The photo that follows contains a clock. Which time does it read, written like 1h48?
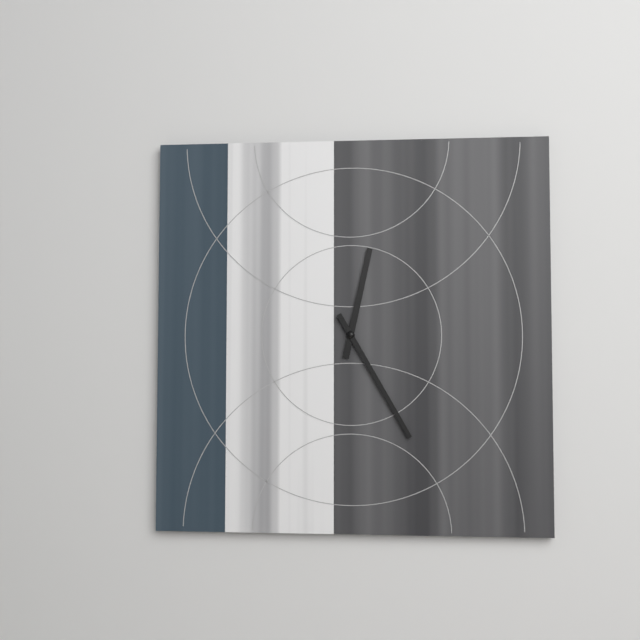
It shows 12h25
